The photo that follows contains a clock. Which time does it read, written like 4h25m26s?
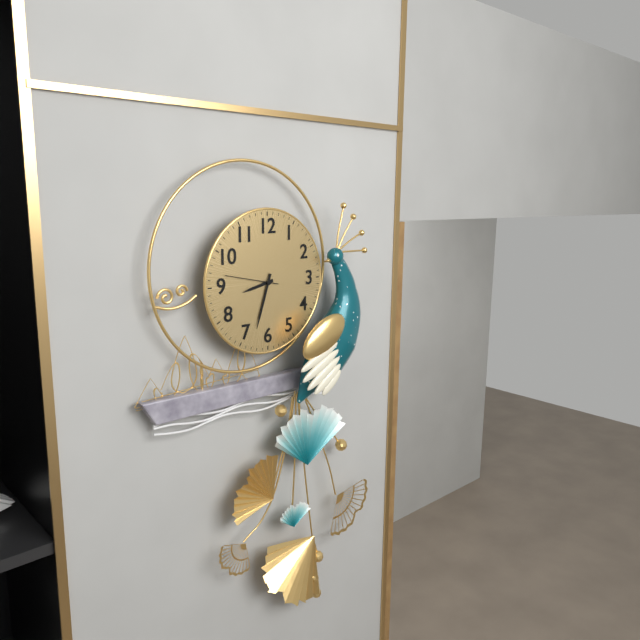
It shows 8h33m47s
